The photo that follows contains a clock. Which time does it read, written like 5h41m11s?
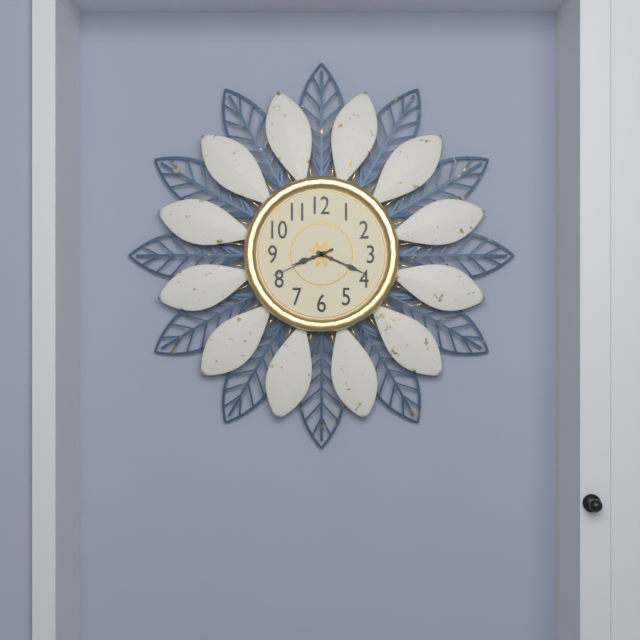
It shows 8h19m41s
